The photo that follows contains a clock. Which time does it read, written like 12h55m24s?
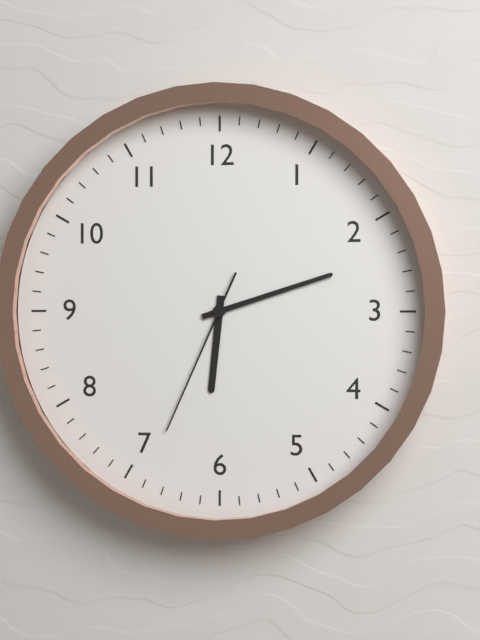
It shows 6h12m34s
